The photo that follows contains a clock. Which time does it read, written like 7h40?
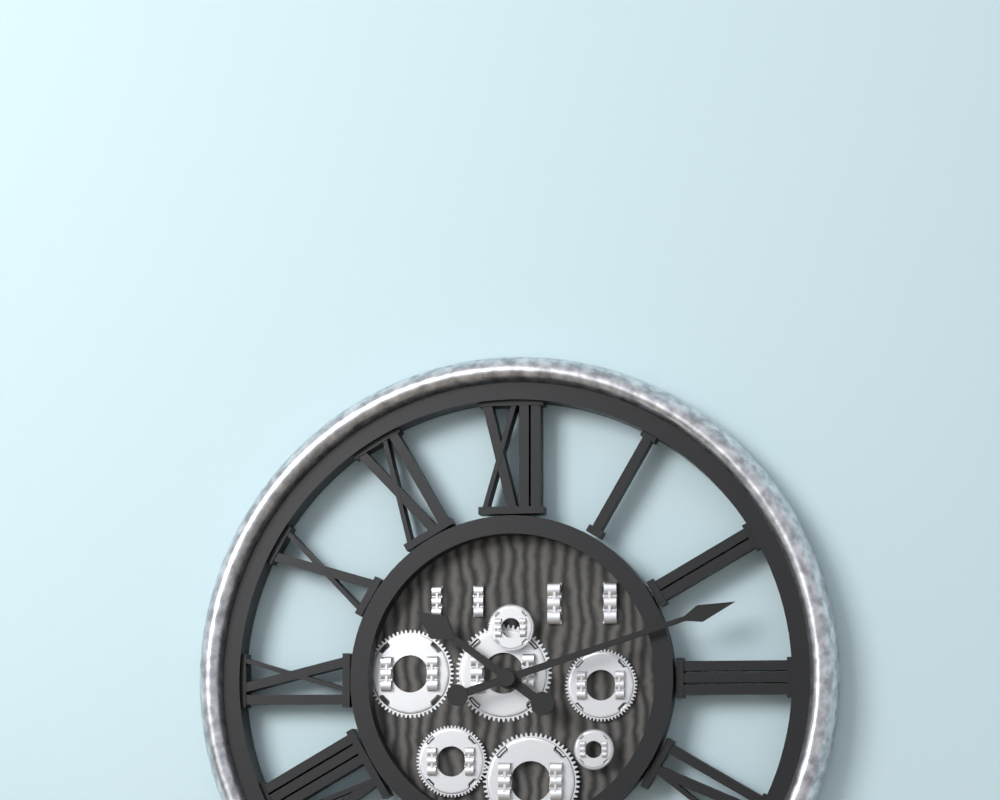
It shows 10h12
